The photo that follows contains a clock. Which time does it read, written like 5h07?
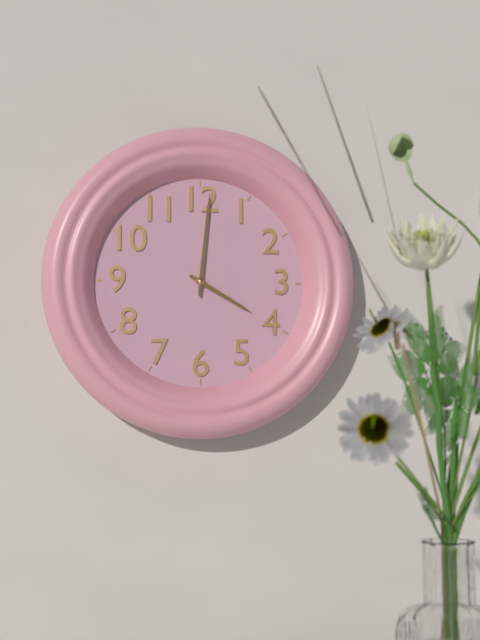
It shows 4h01
